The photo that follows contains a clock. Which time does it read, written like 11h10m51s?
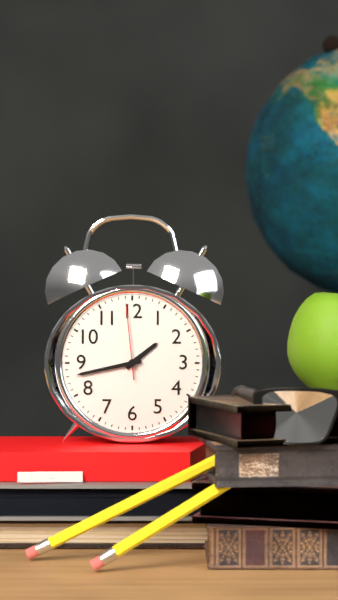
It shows 1h43m59s
